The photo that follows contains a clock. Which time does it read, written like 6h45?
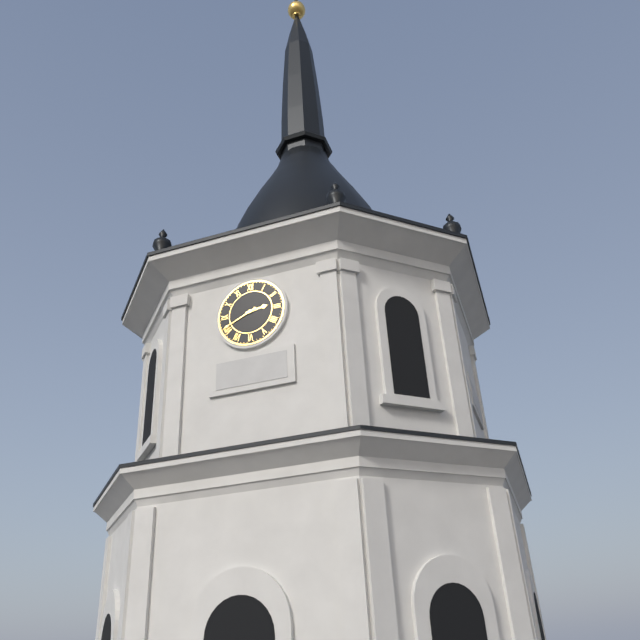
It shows 2h41
